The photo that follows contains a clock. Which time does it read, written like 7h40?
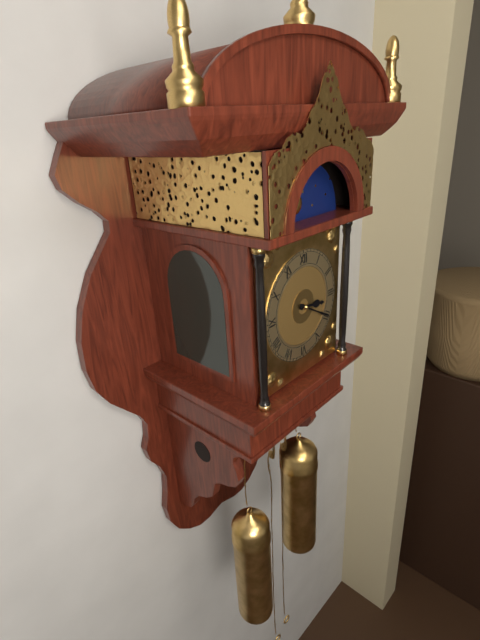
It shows 3h20
